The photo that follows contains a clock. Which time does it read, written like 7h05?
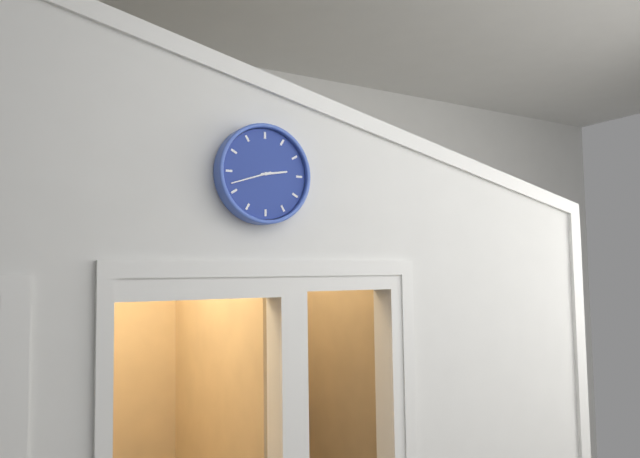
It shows 2h42
